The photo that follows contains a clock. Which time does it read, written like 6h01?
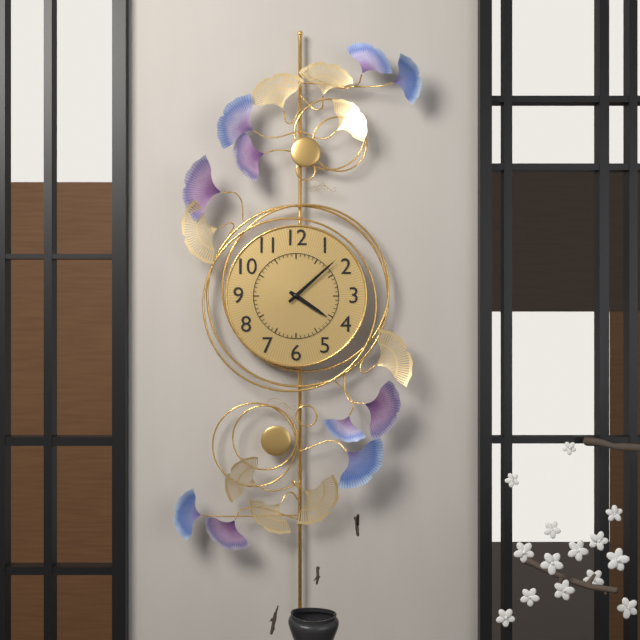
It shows 4h08
